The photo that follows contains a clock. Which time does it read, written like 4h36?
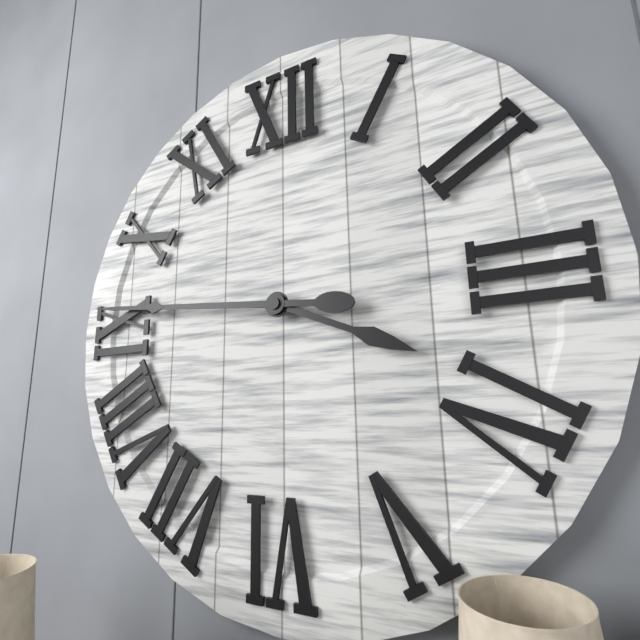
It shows 3h46
